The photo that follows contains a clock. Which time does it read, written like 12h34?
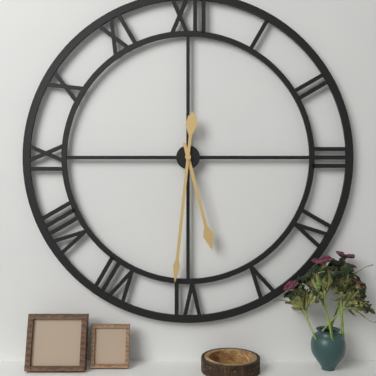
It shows 5h31
